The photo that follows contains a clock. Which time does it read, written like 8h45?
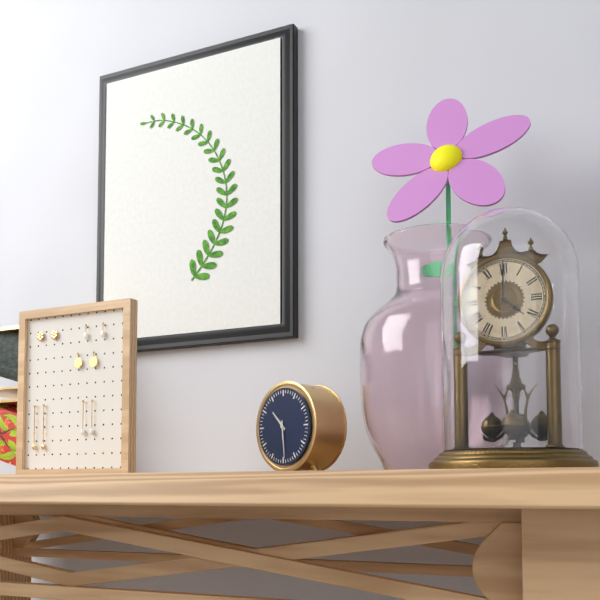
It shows 10h29
